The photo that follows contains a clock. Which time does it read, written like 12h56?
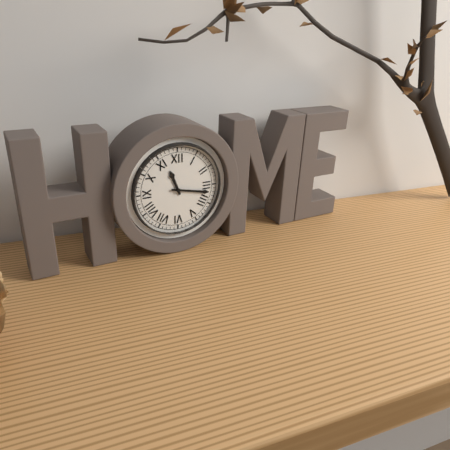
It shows 11h17
